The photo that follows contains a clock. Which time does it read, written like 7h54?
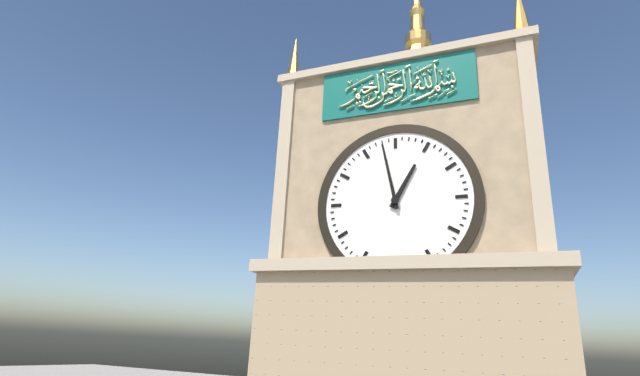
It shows 12h58
